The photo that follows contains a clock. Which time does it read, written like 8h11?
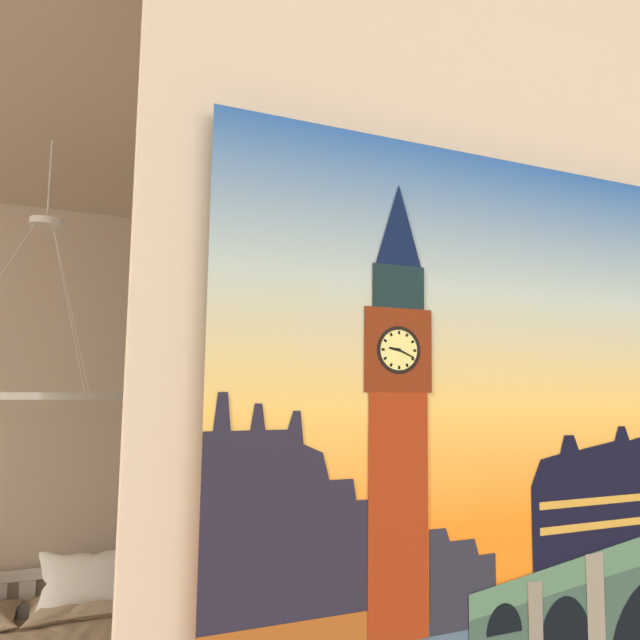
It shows 9h19
